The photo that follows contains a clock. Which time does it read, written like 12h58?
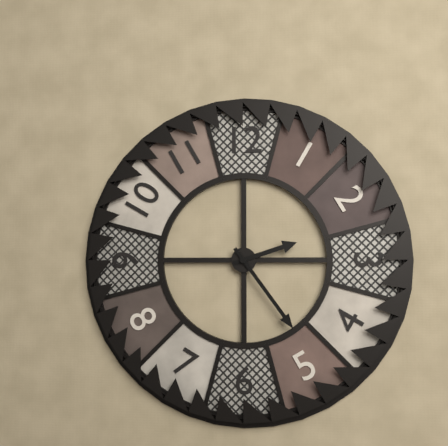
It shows 2h24
